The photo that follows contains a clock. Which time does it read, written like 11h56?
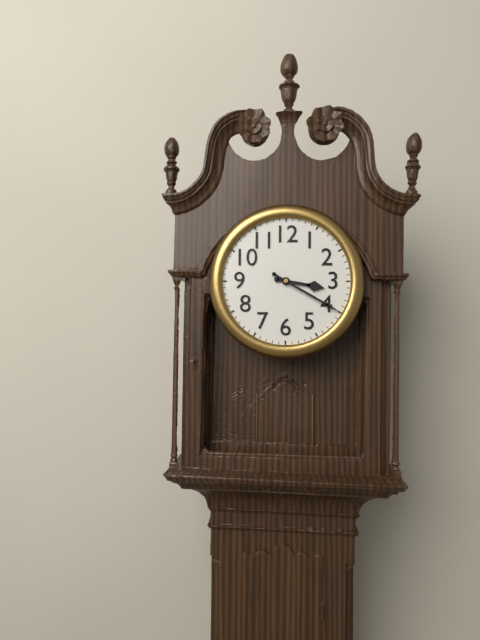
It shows 3h20
